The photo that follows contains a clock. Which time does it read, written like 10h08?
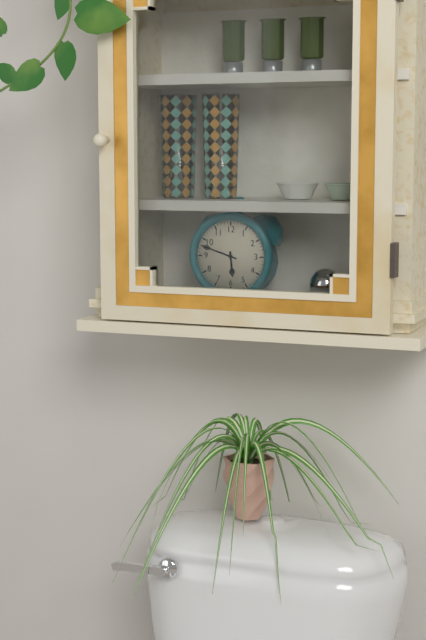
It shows 5h48
